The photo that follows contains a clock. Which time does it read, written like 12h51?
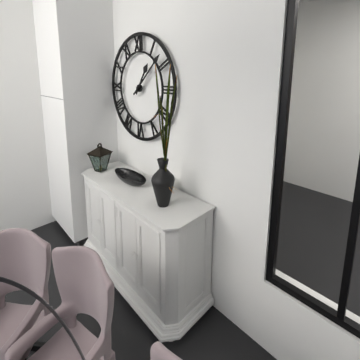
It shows 1h08
